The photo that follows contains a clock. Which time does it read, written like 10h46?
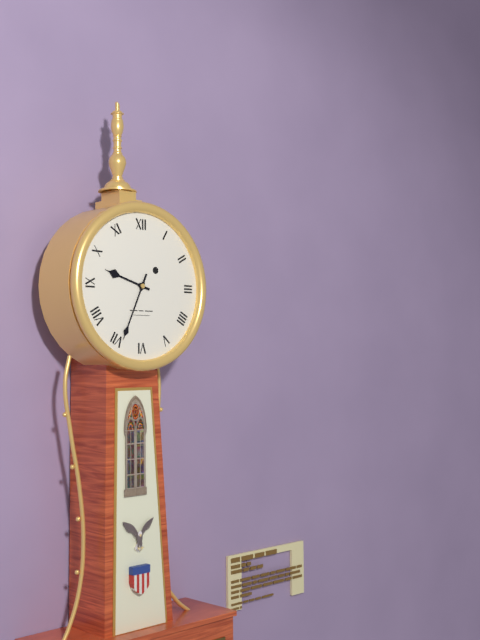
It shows 9h34
